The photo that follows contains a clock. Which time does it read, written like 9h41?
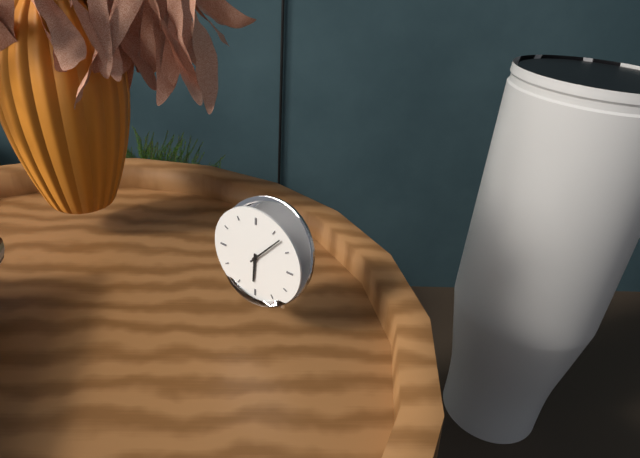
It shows 6h07
